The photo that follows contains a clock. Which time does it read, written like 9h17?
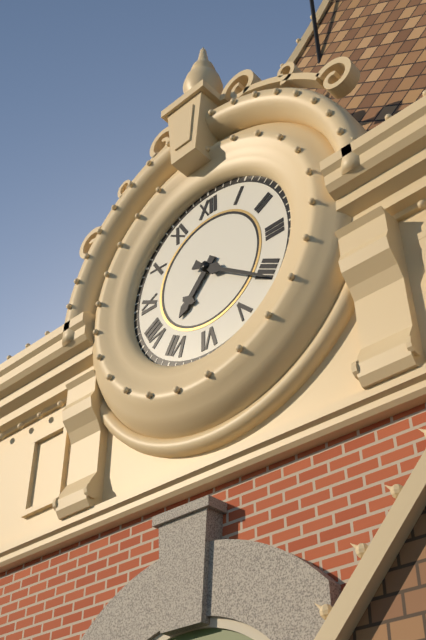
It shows 7h21
